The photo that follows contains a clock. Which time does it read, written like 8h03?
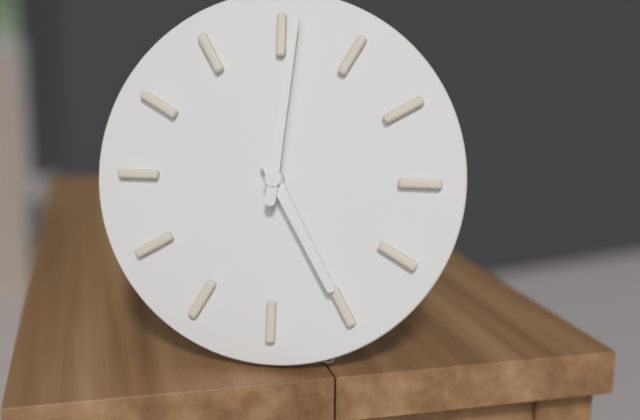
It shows 5h01
